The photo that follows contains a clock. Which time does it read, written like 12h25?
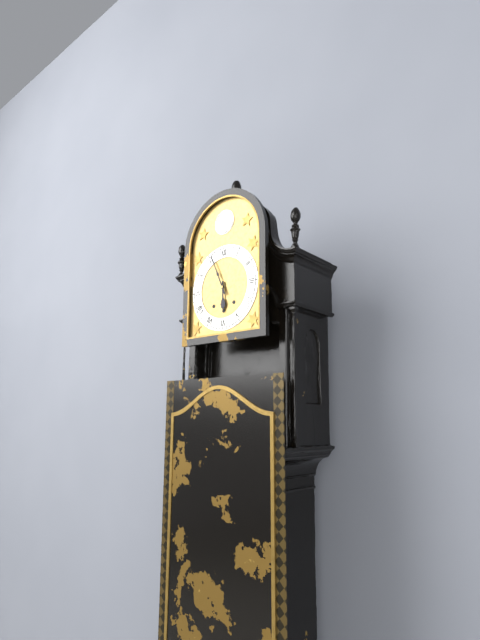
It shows 5h56
